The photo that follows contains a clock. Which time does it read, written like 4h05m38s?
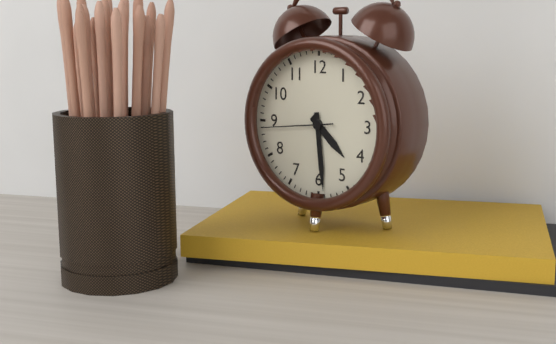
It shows 4h29m44s
